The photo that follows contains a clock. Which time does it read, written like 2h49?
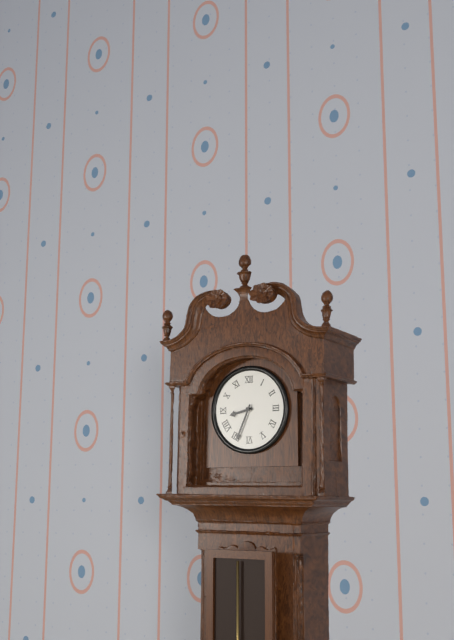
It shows 8h34
